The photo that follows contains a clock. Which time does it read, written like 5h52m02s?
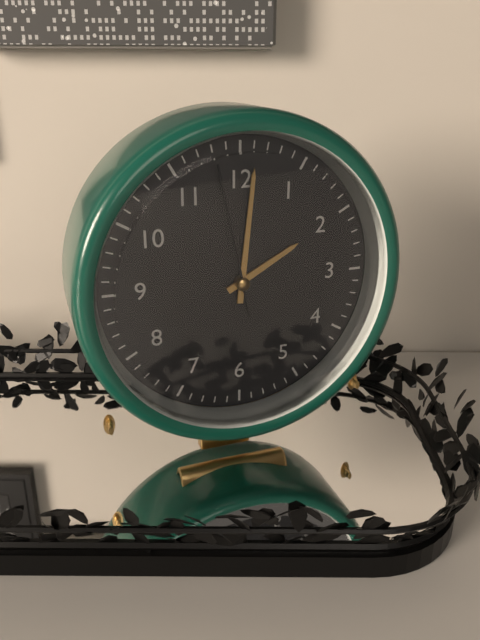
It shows 2h01m58s
